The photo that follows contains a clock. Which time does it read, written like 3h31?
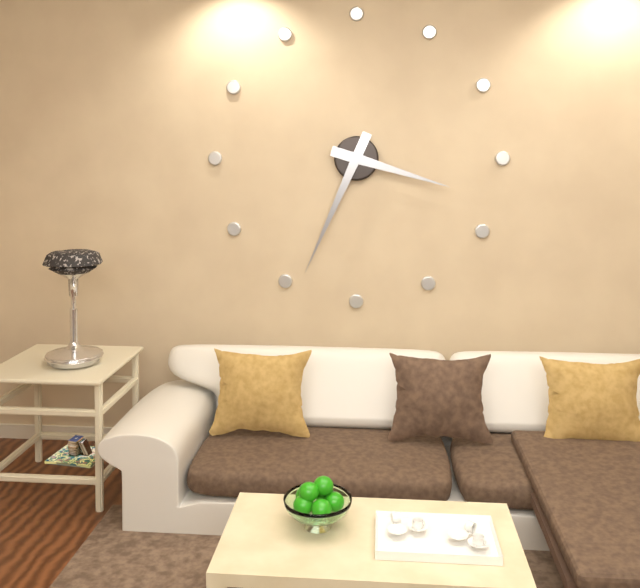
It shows 3h34
